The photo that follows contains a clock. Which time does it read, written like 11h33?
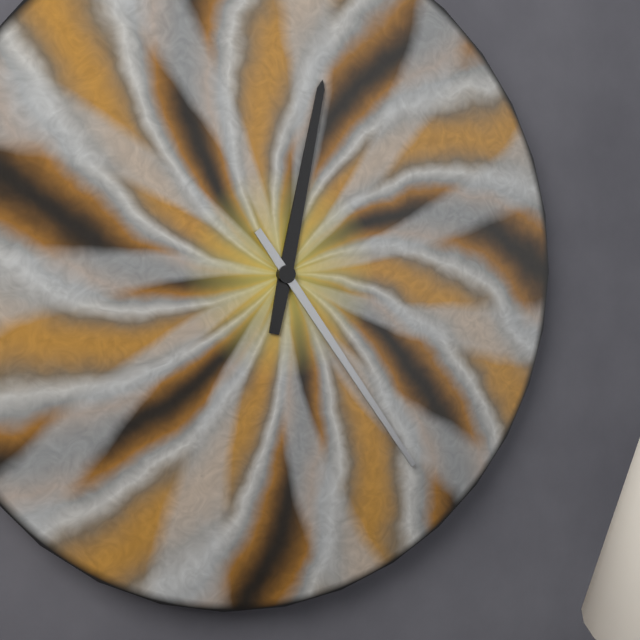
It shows 12h24
